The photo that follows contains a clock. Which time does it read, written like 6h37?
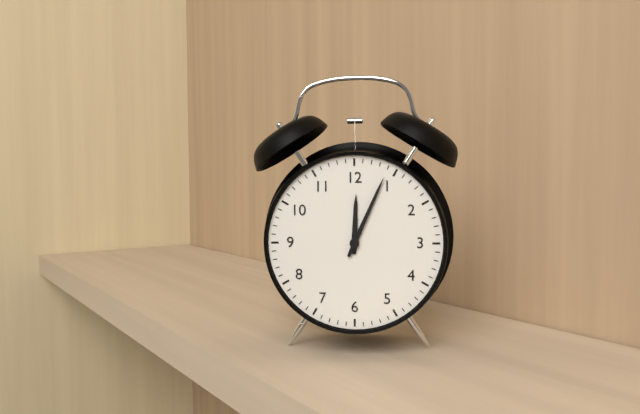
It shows 12h04
